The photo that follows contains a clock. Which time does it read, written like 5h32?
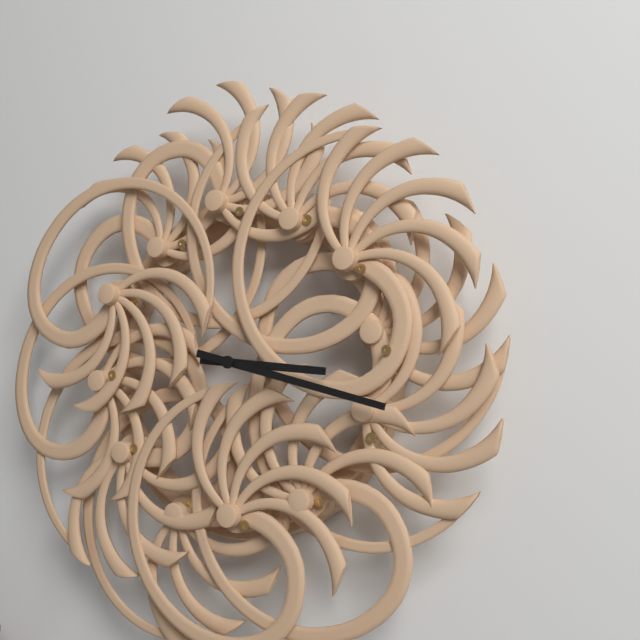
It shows 3h18
